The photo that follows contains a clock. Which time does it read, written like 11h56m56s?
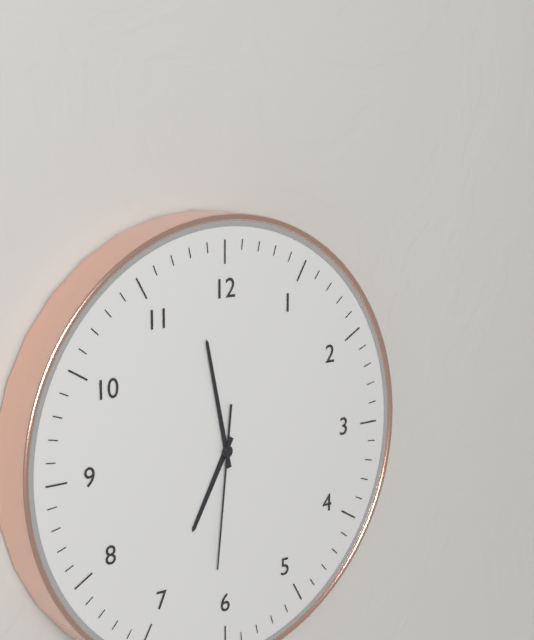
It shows 6h58m31s
